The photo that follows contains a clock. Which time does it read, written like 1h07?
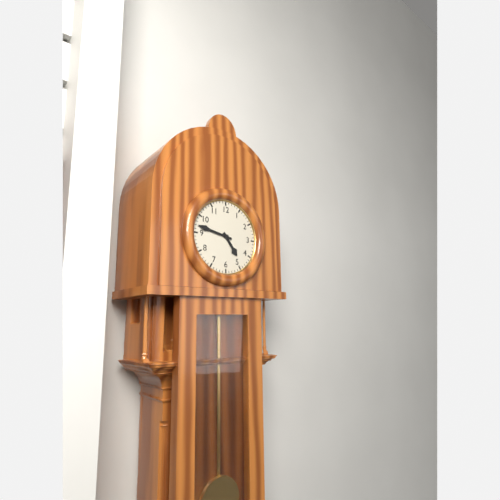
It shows 4h47
